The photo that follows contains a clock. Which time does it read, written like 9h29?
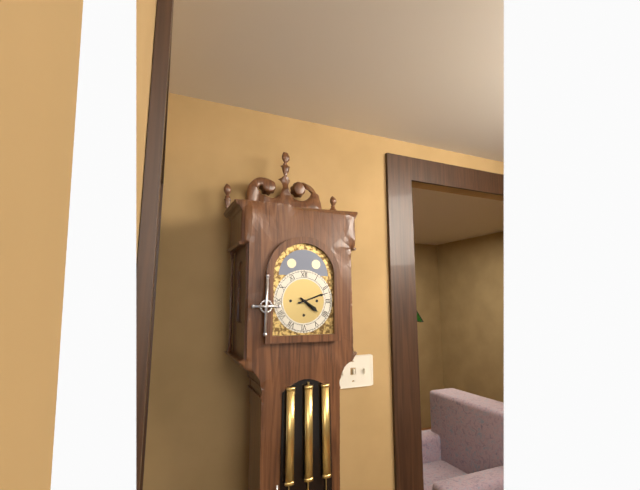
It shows 4h12
